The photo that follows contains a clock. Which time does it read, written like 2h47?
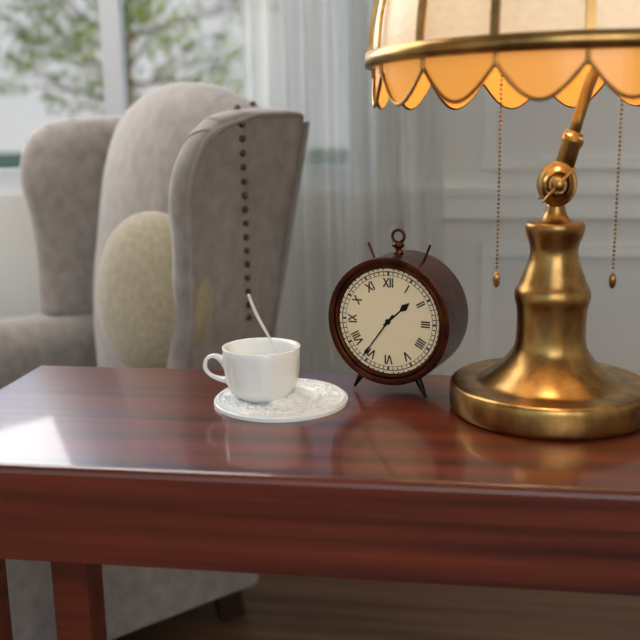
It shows 1h36
